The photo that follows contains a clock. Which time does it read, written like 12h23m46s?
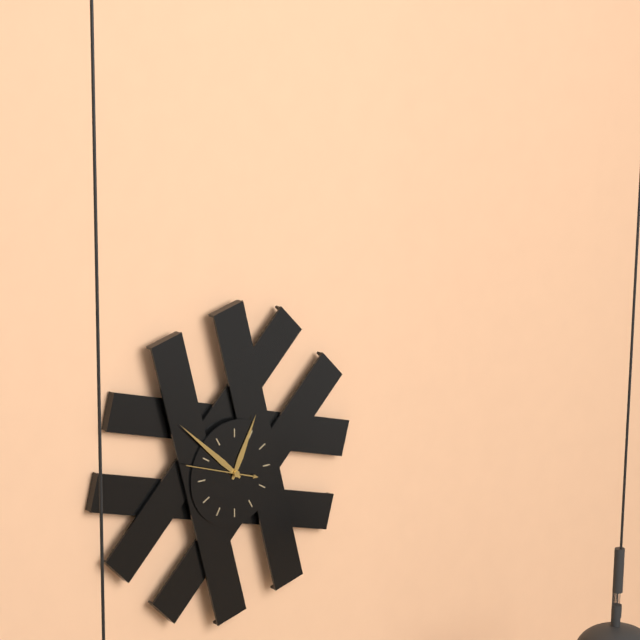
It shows 12h52m48s
